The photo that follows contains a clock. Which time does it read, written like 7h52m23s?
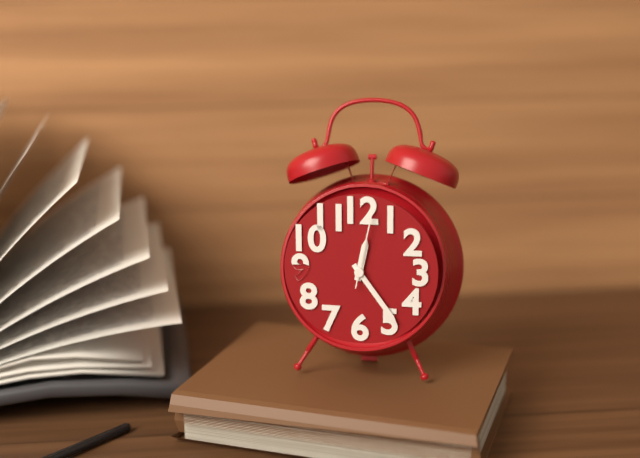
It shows 12h24m02s
